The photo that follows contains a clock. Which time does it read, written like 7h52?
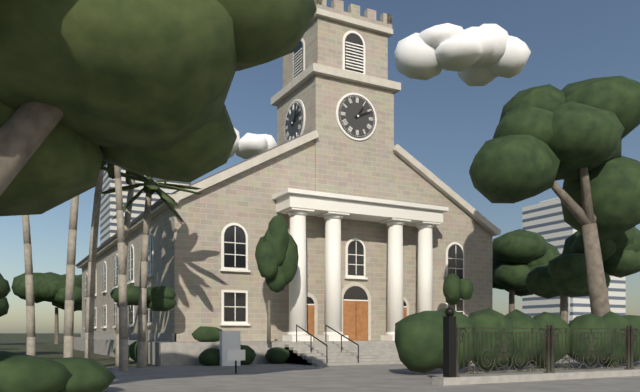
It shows 1h11
